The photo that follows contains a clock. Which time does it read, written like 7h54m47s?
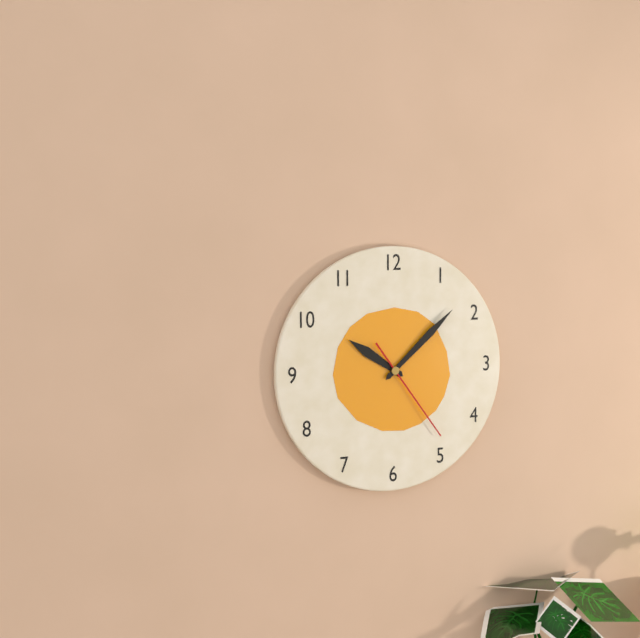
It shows 10h08m24s
